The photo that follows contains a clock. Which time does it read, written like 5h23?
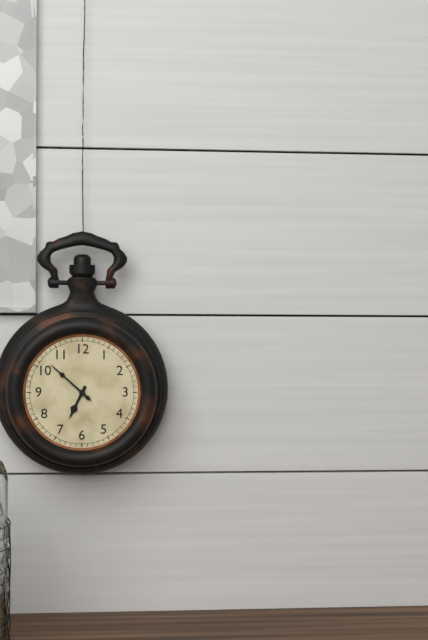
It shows 6h52
